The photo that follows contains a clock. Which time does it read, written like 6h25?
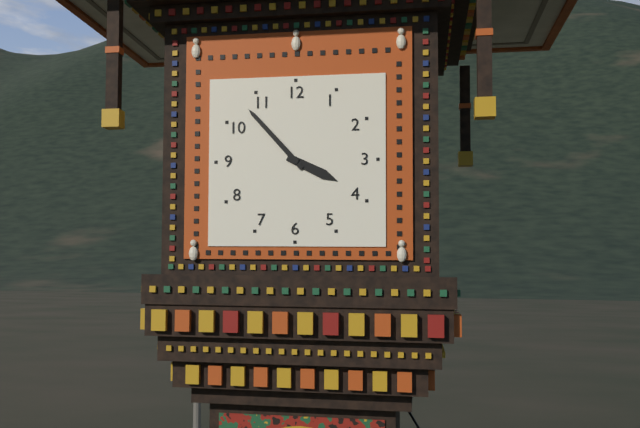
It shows 3h53
